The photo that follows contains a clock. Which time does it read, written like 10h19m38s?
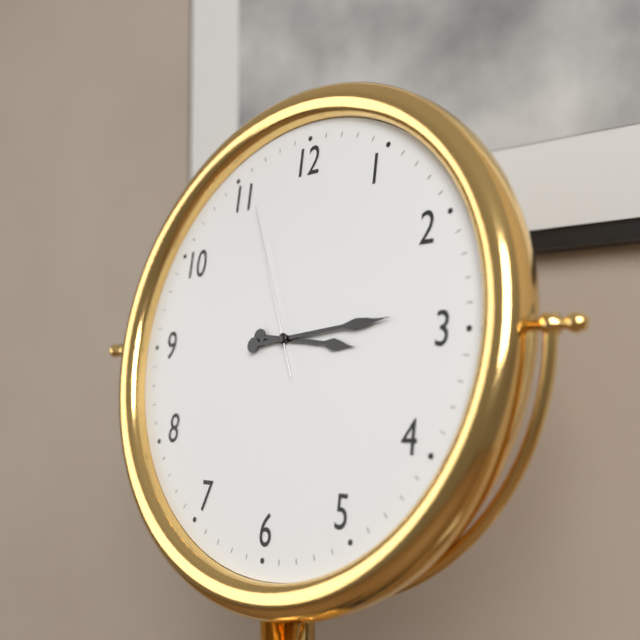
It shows 3h14m56s
